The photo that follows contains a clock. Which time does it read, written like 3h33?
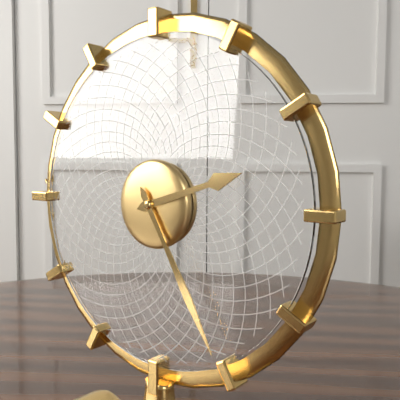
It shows 2h25
